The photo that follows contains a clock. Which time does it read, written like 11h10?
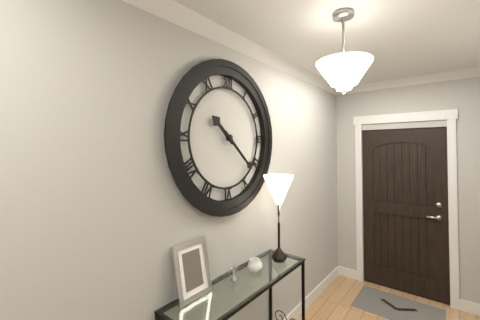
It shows 10h22
